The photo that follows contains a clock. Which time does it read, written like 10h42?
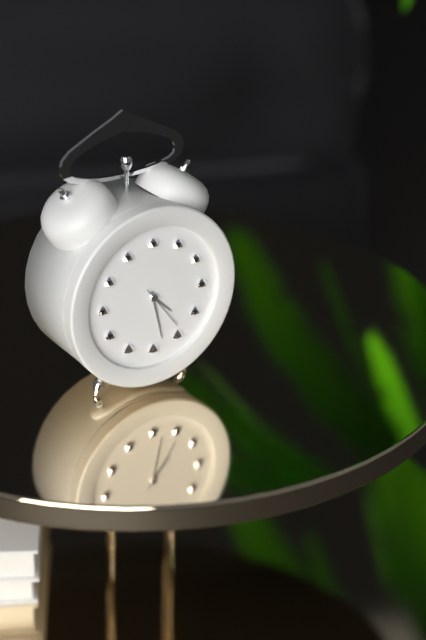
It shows 4h28
